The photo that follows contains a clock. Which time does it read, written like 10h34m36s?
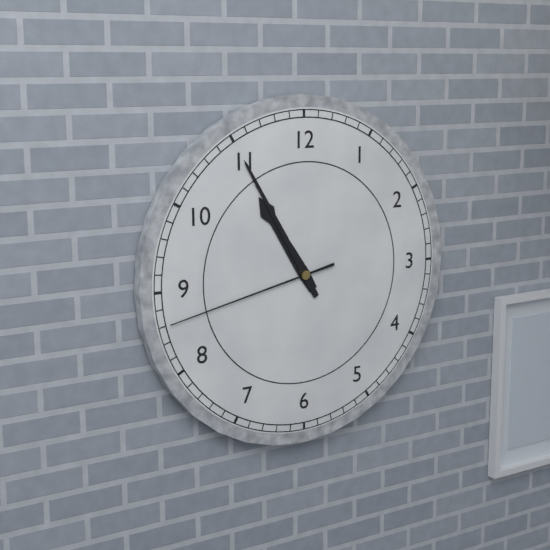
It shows 10h55m43s
